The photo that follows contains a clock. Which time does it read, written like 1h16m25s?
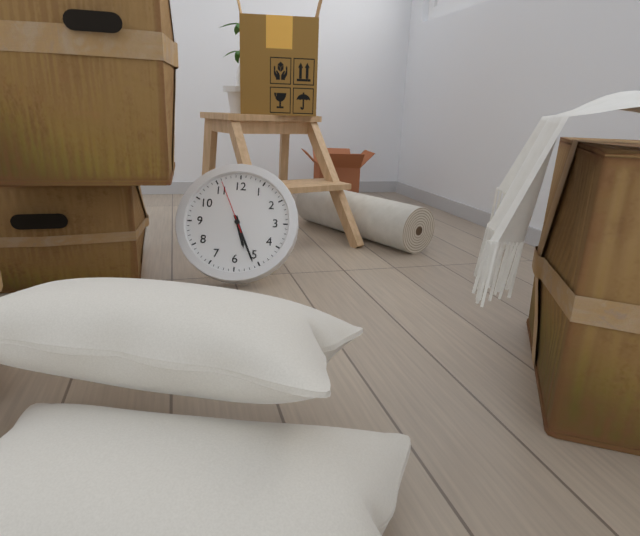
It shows 5h26m56s
